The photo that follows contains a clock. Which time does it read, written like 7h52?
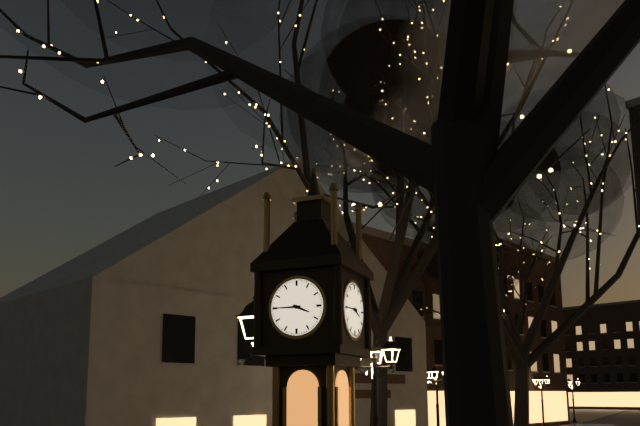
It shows 3h45
